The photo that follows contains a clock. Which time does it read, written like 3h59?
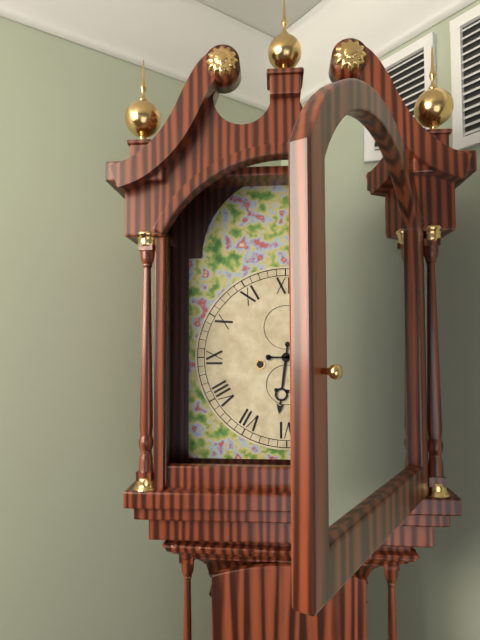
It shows 6h15
